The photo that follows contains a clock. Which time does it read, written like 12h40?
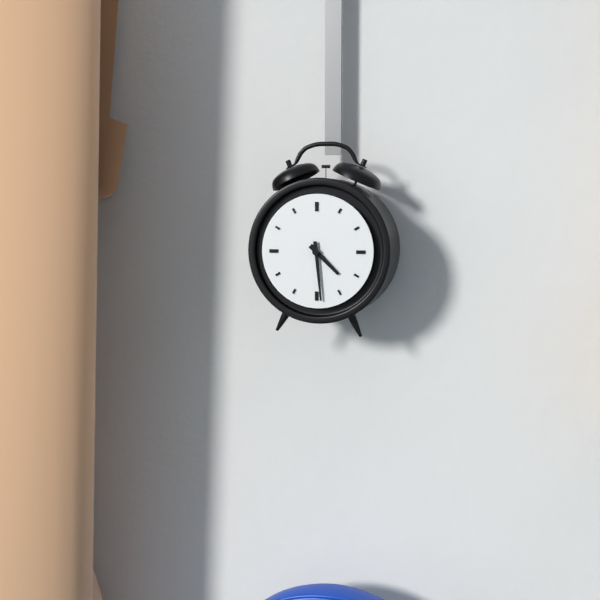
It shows 4h29
